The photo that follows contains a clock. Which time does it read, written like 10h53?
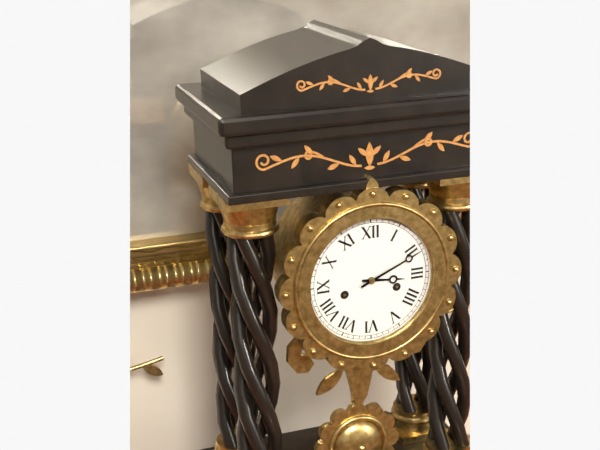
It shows 3h11
